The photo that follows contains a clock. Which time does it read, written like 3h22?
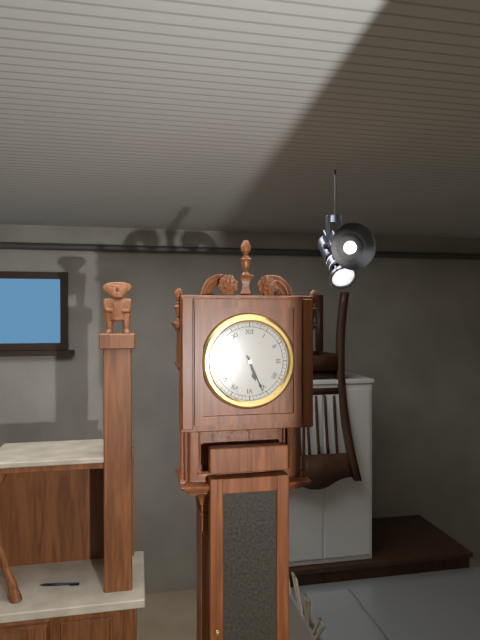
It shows 5h26
